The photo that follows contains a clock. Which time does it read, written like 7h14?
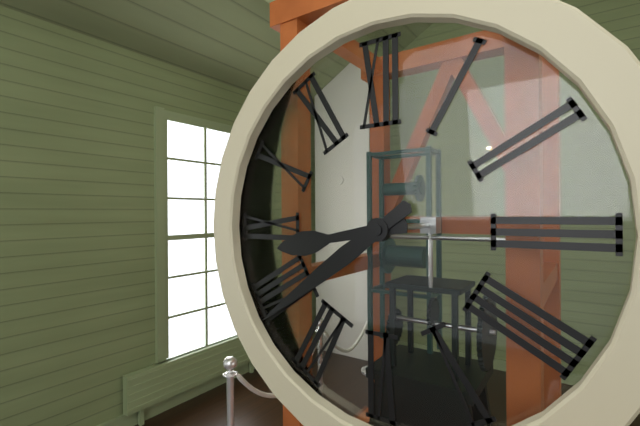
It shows 8h39
